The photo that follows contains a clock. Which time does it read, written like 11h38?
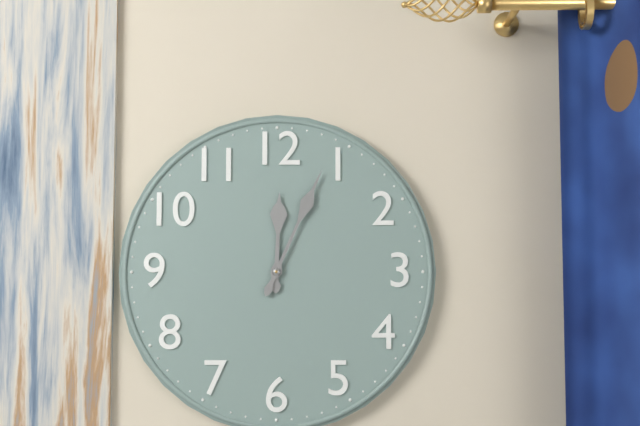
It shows 12h04
